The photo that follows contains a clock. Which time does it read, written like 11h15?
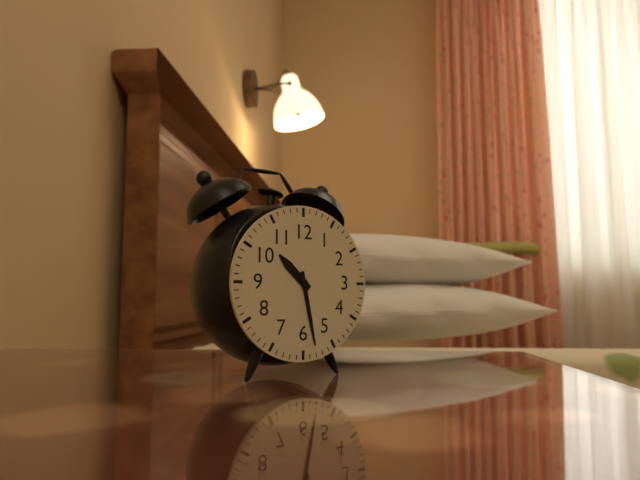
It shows 10h28
